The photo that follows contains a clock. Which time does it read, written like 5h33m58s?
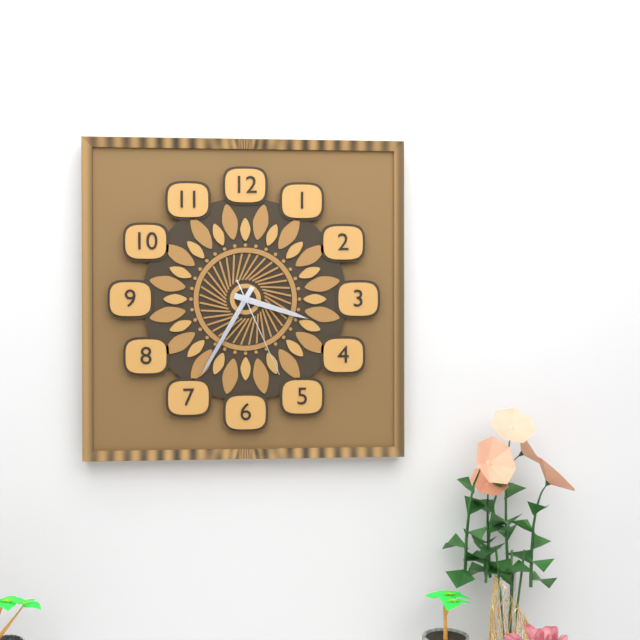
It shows 3h35m26s
